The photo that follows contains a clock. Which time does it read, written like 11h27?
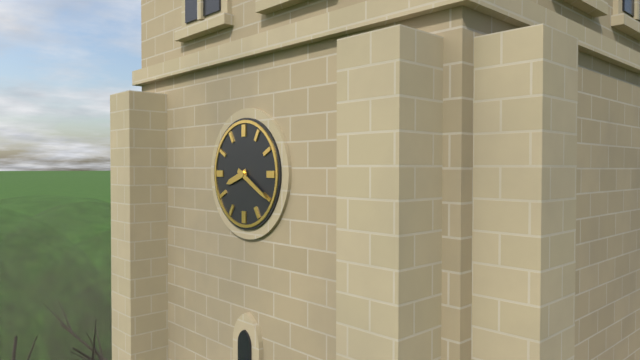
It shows 8h20
